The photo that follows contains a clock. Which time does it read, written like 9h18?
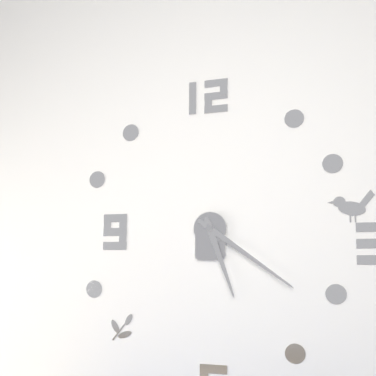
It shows 5h21
